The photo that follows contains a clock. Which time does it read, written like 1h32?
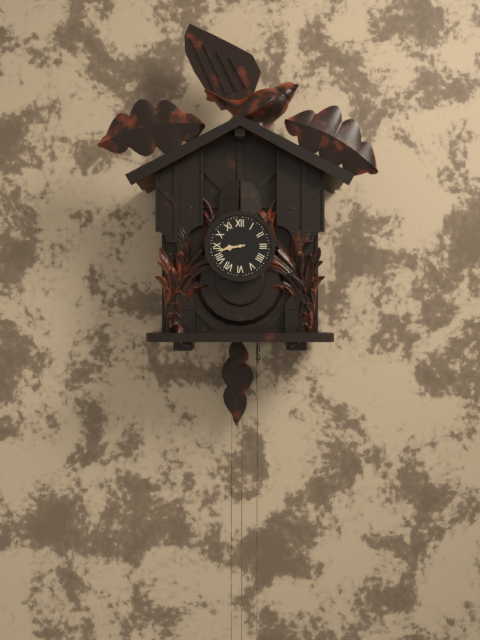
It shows 8h43
